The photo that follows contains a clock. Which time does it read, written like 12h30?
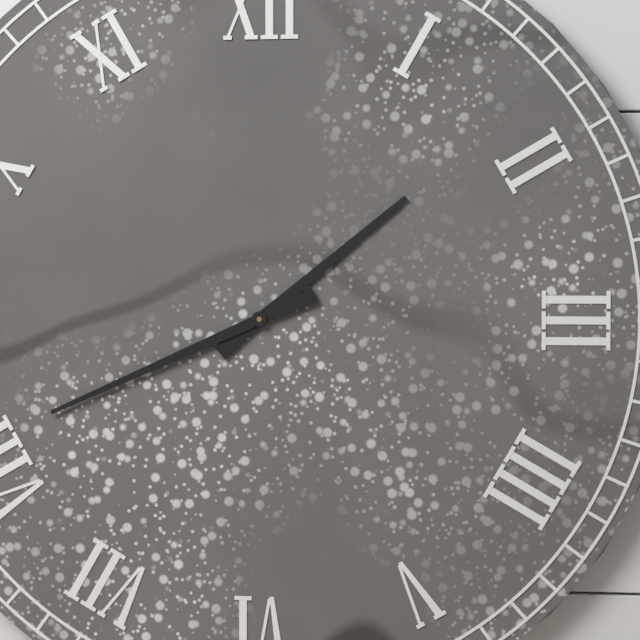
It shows 1h41
